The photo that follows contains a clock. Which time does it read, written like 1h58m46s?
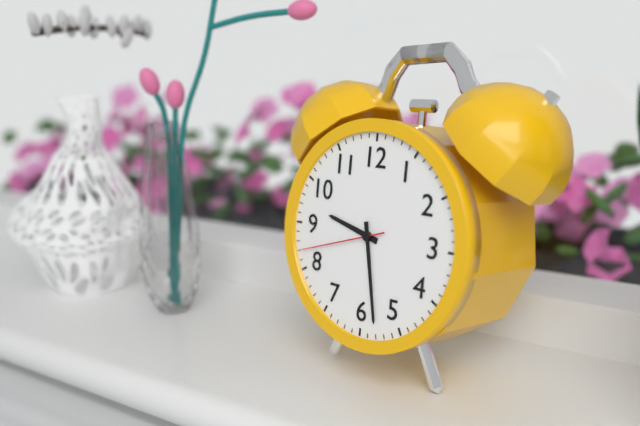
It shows 9h28m42s
